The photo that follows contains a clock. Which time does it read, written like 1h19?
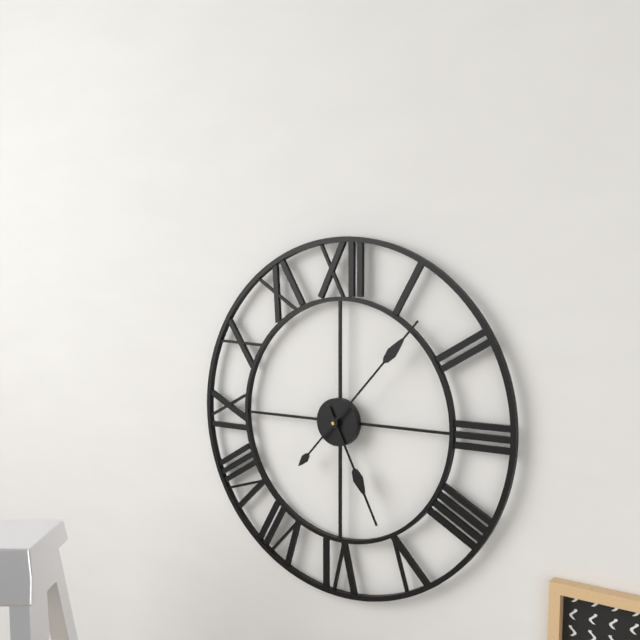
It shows 5h07
